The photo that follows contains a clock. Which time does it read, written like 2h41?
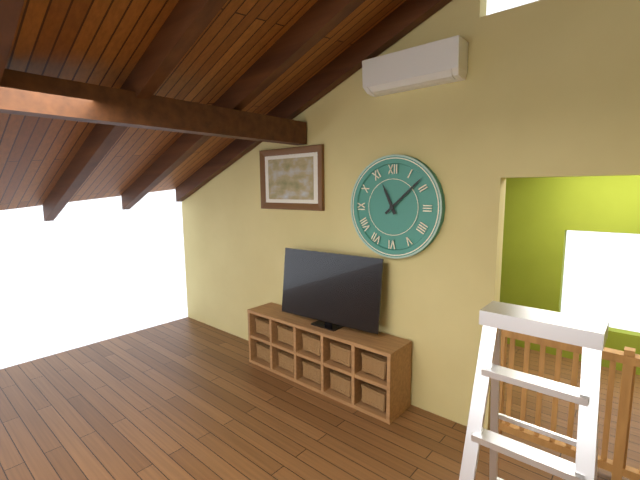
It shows 11h08
